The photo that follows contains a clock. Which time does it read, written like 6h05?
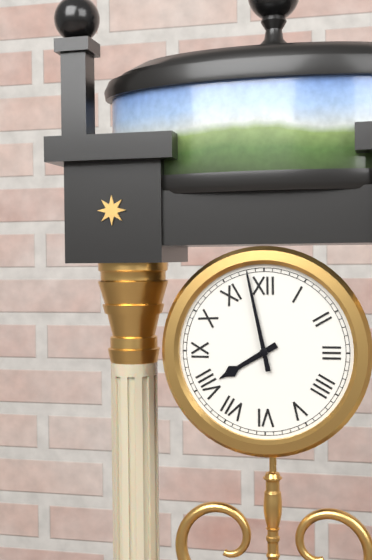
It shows 7h58
